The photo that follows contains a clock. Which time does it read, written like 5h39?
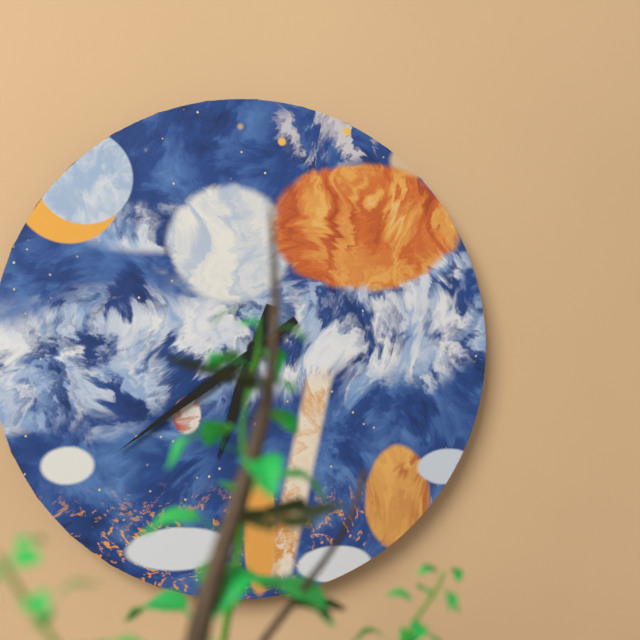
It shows 6h39
